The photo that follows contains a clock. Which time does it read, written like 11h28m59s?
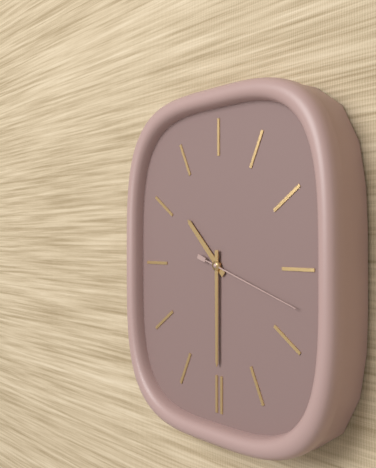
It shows 10h30m18s
